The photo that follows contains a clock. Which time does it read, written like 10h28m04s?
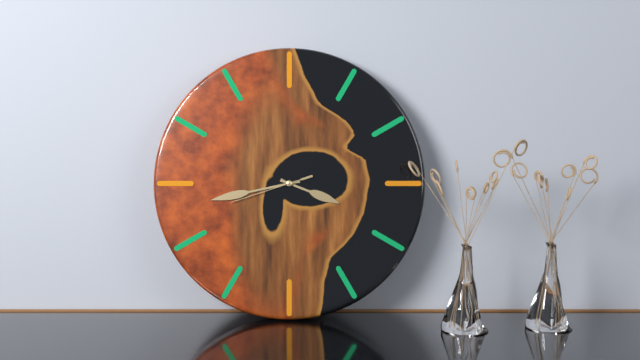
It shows 3h43m42s
